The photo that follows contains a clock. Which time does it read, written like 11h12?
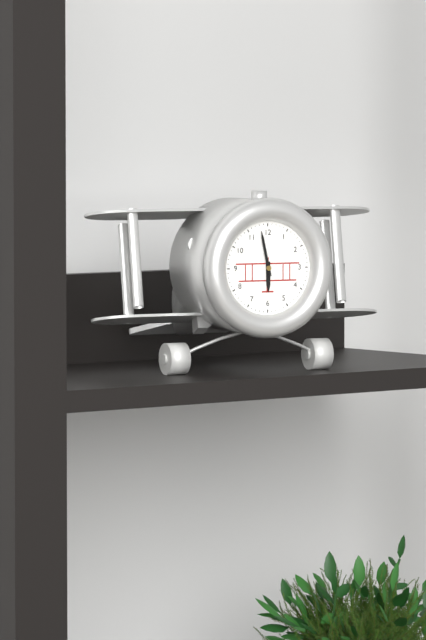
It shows 5h58
